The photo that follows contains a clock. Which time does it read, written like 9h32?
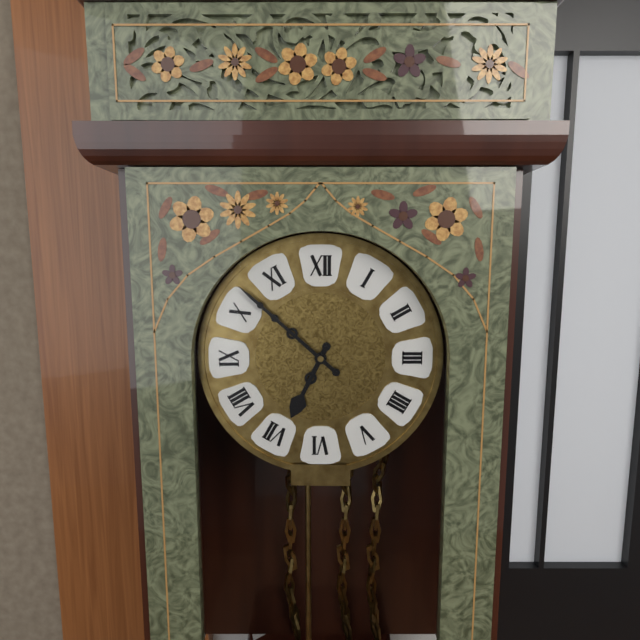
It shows 6h52
